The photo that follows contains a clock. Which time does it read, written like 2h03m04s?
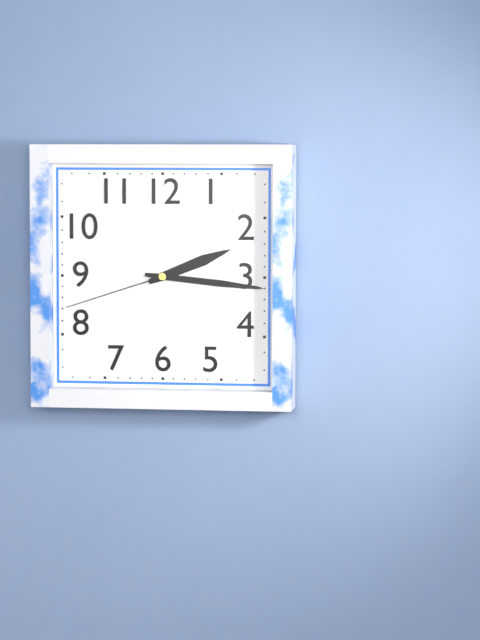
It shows 2h16m42s
